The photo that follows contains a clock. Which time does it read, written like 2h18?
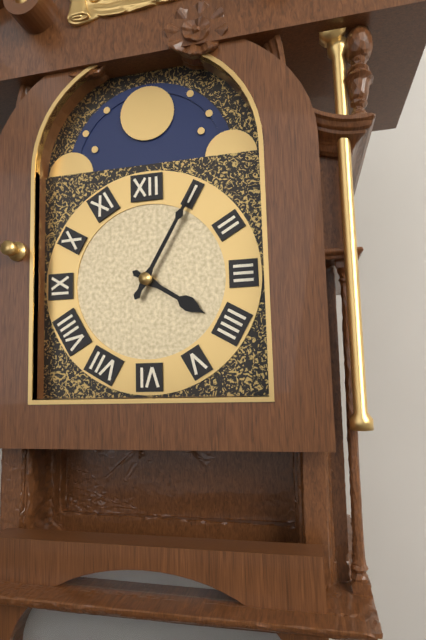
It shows 4h05
